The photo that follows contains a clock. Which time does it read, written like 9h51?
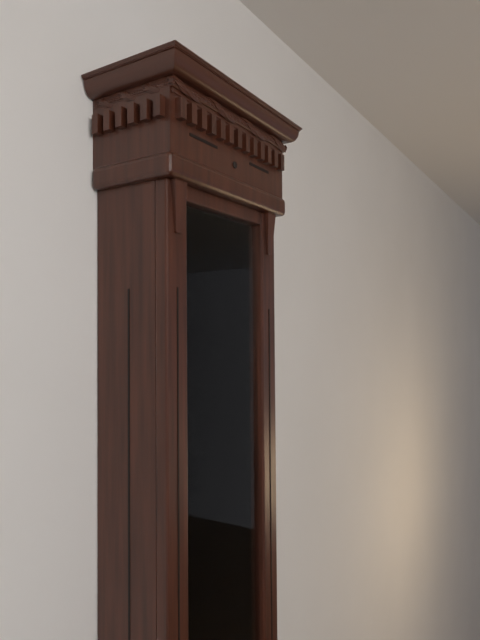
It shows 2h35
